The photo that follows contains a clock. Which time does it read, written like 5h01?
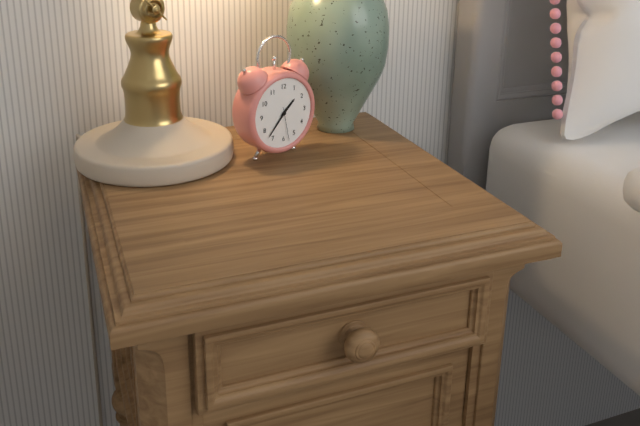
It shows 1h37
